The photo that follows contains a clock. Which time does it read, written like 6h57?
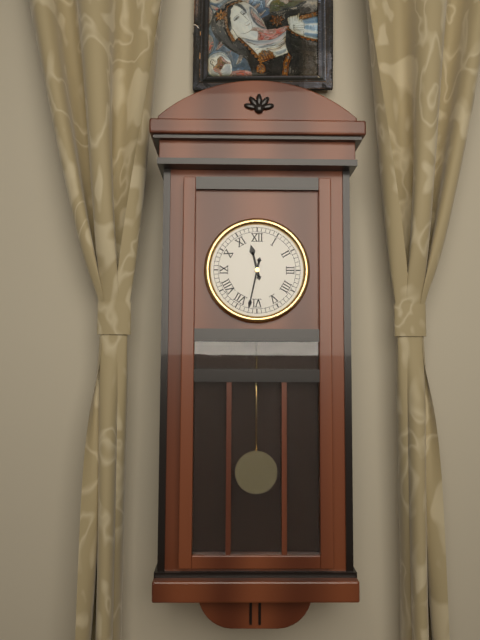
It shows 11h32
